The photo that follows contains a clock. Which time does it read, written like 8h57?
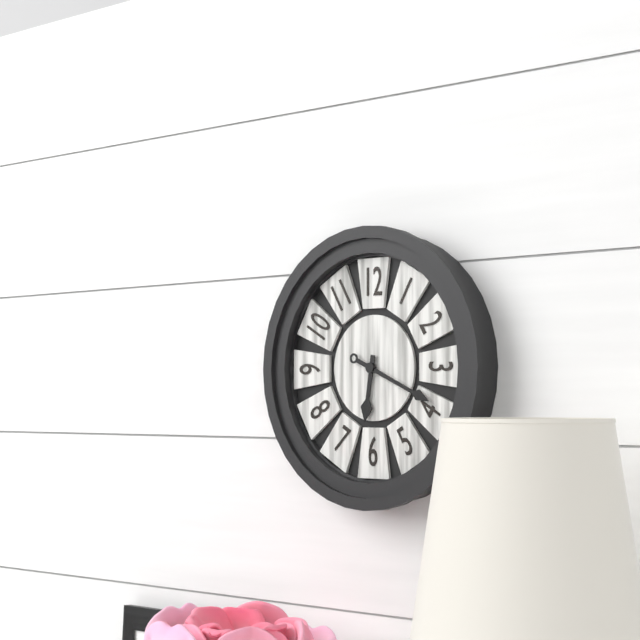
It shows 6h19
